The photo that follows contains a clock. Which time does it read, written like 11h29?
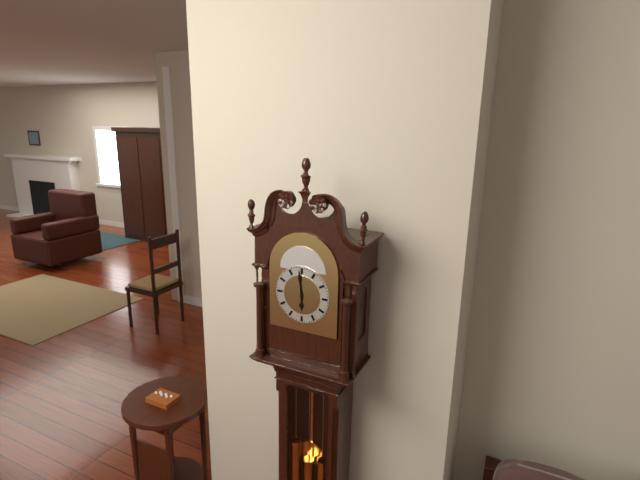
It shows 5h59
